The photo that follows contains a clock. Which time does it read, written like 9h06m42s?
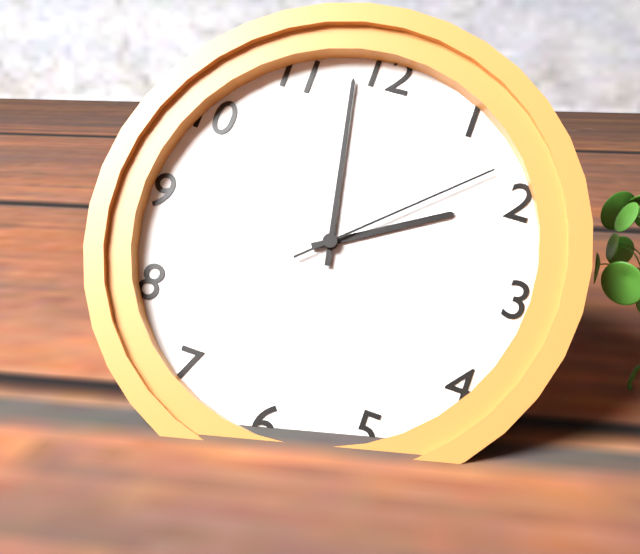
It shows 1h58m08s
